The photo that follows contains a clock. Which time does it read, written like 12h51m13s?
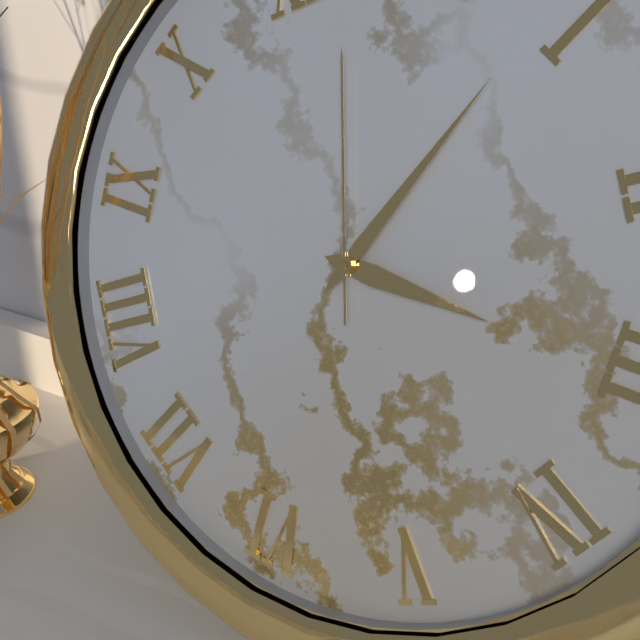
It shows 3h04m57s
